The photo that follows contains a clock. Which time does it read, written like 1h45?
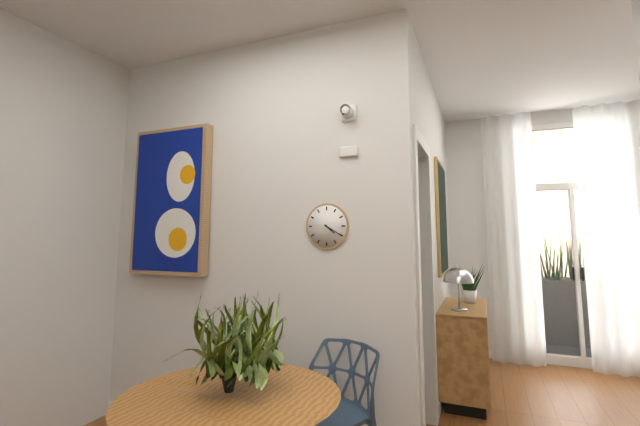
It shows 4h20
